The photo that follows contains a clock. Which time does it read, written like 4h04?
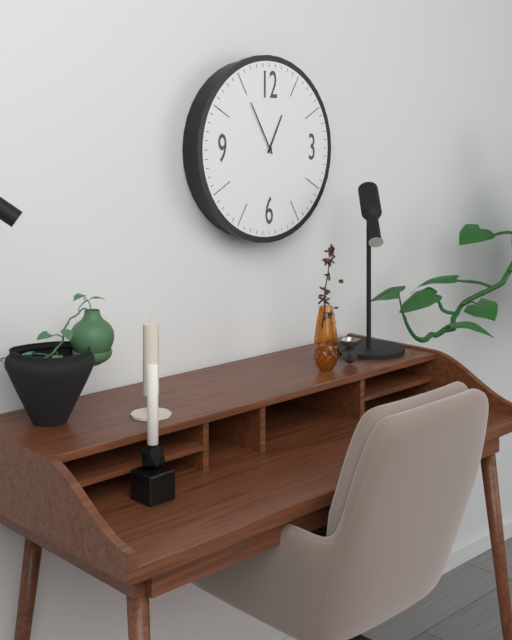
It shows 12h55
